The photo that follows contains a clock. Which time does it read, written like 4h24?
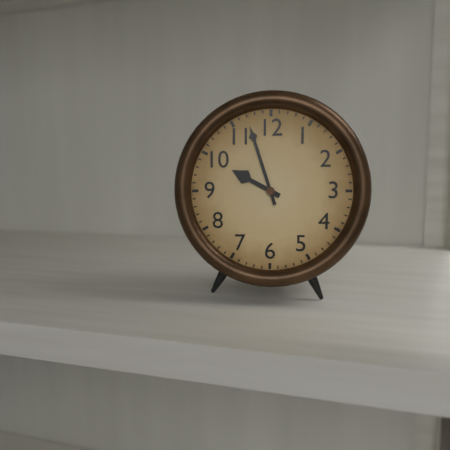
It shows 9h57
